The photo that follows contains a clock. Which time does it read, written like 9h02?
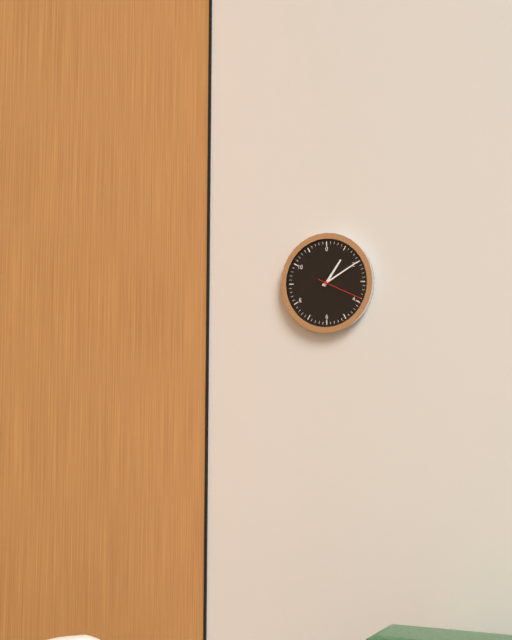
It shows 1h10
